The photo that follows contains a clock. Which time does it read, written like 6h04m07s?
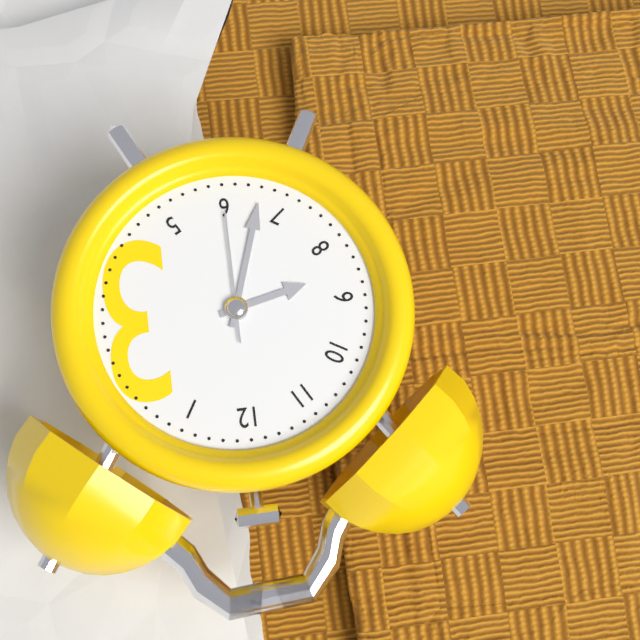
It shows 8h33m30s
